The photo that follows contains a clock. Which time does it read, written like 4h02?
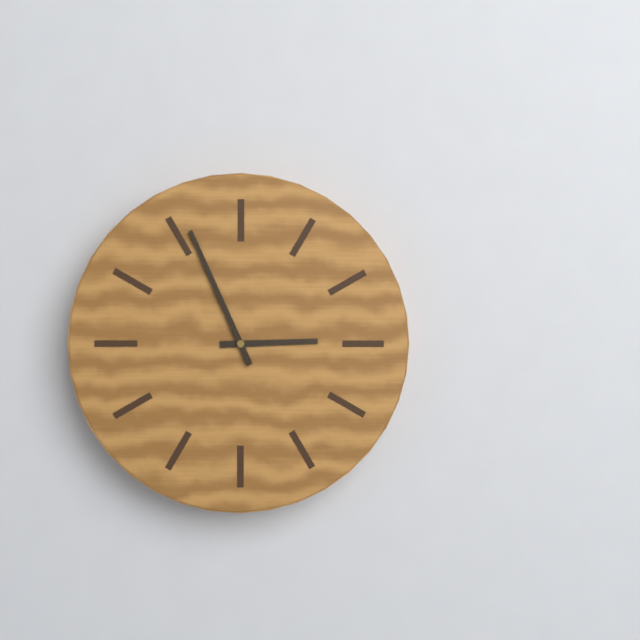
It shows 2h56
